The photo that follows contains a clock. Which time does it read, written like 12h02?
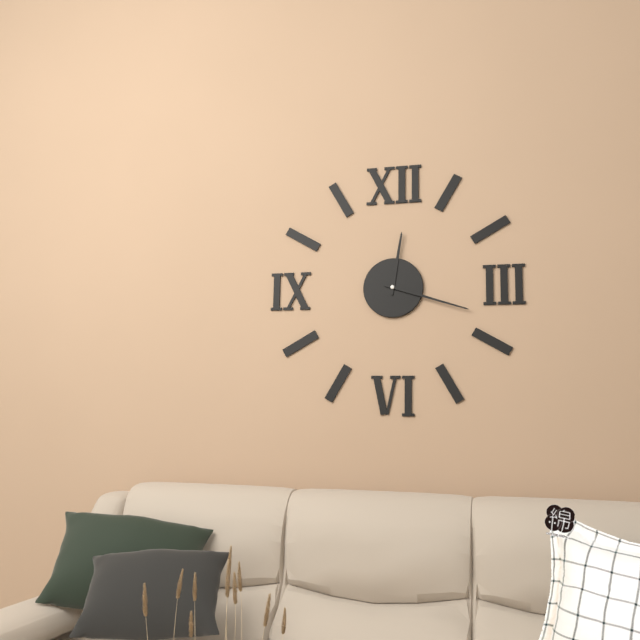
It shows 12h18
